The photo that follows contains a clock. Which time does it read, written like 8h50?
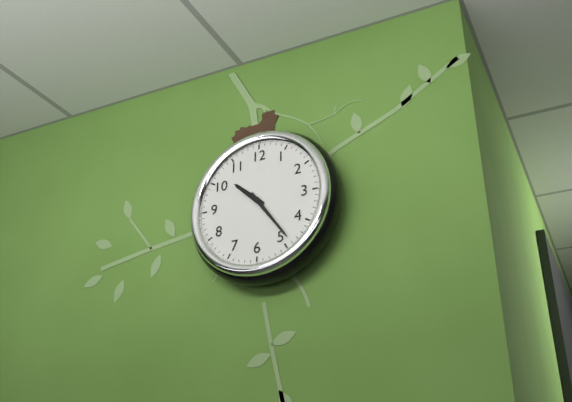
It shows 10h24
